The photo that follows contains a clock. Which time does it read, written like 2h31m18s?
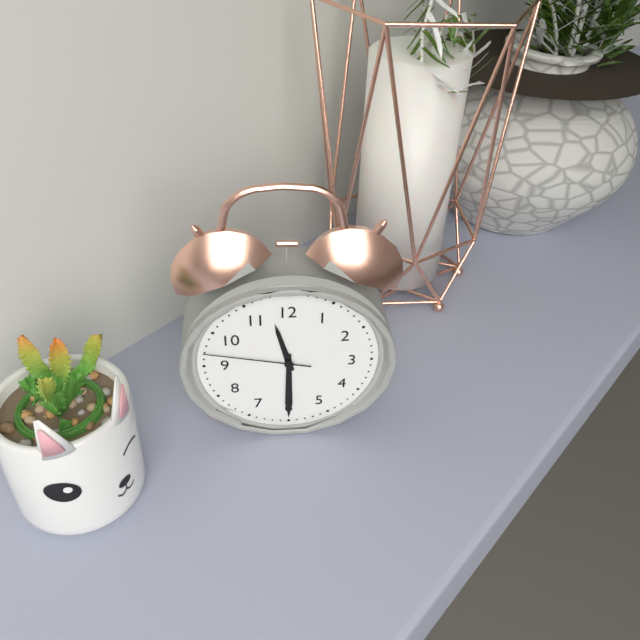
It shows 11h30m47s
